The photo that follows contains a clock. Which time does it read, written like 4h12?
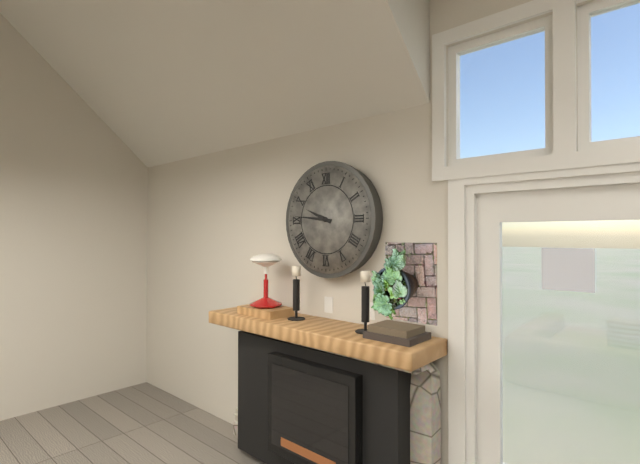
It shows 9h46
